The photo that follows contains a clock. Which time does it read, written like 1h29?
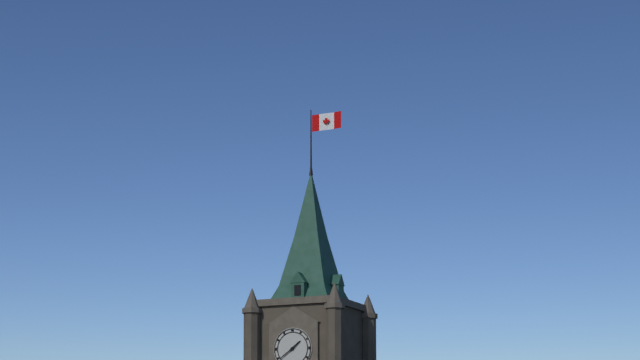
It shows 1h39
